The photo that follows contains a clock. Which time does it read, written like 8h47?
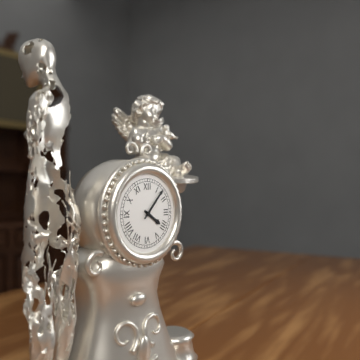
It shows 4h07
